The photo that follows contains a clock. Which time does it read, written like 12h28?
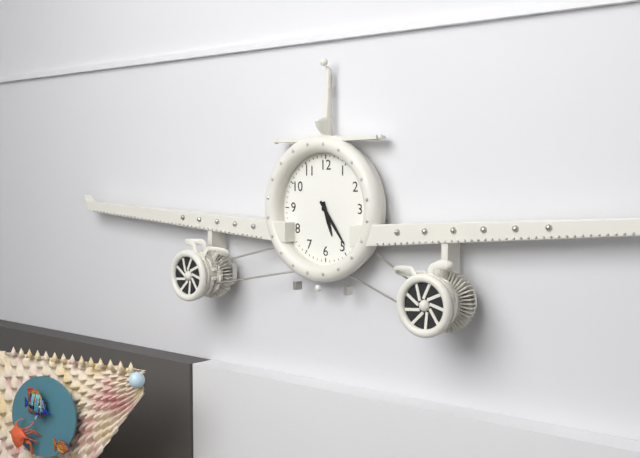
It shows 5h24
